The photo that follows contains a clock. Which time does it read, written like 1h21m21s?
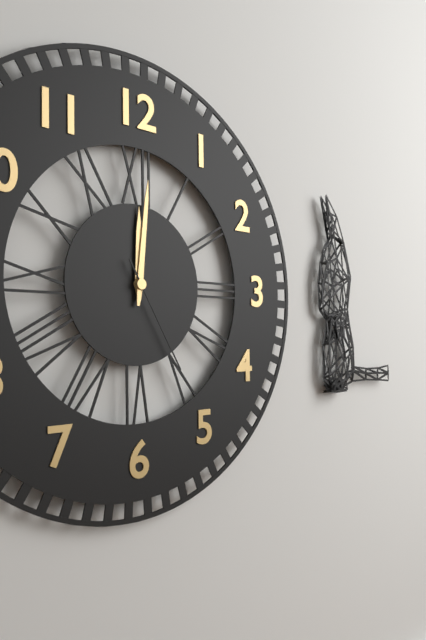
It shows 12h01m25s
